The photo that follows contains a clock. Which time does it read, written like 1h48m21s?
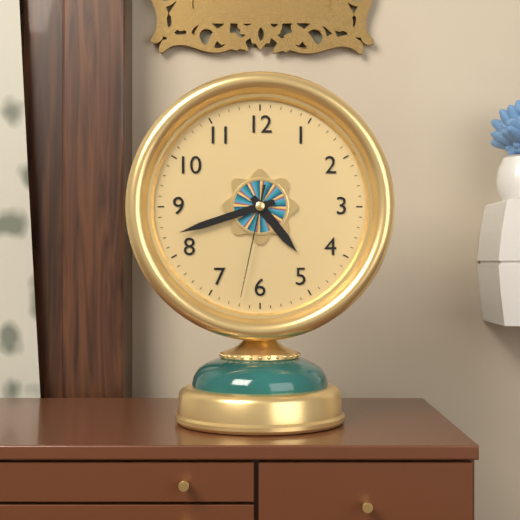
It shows 4h42m32s
